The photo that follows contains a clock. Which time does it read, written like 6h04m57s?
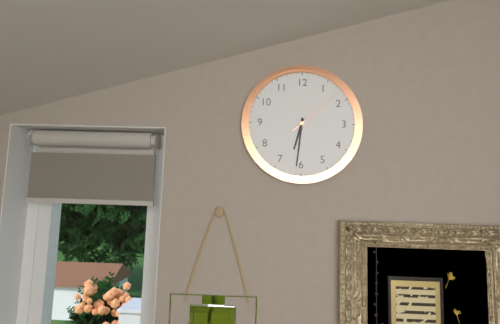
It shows 6h31m08s
